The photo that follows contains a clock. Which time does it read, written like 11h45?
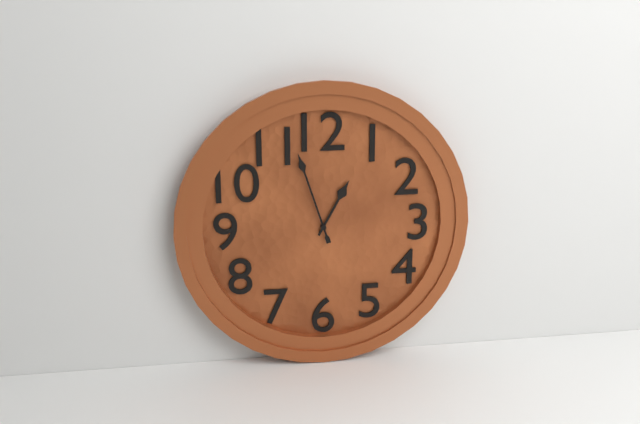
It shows 12h57
